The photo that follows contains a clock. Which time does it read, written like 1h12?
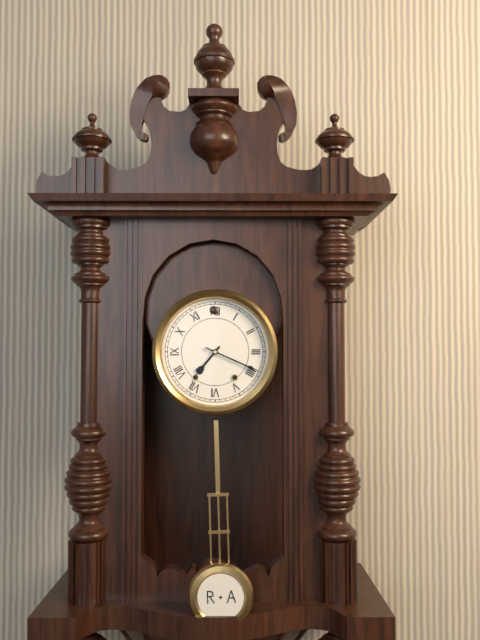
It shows 7h19
